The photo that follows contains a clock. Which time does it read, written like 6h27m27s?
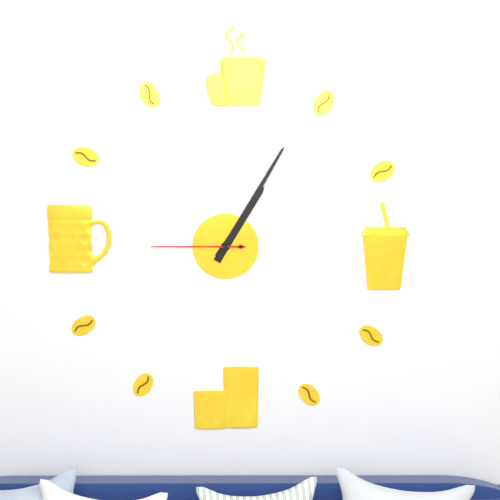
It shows 1h05m45s
